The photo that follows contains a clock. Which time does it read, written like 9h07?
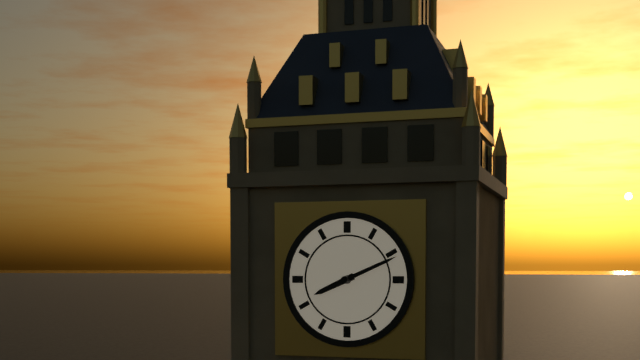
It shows 8h11
